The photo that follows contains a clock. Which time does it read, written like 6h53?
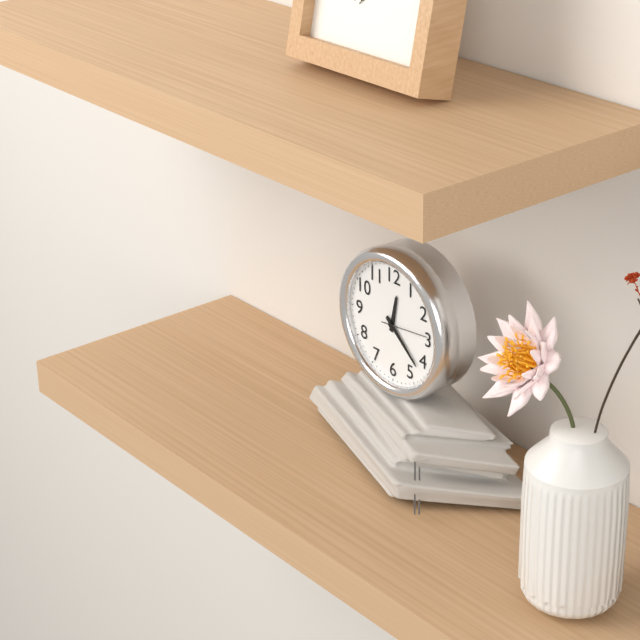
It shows 12h22
